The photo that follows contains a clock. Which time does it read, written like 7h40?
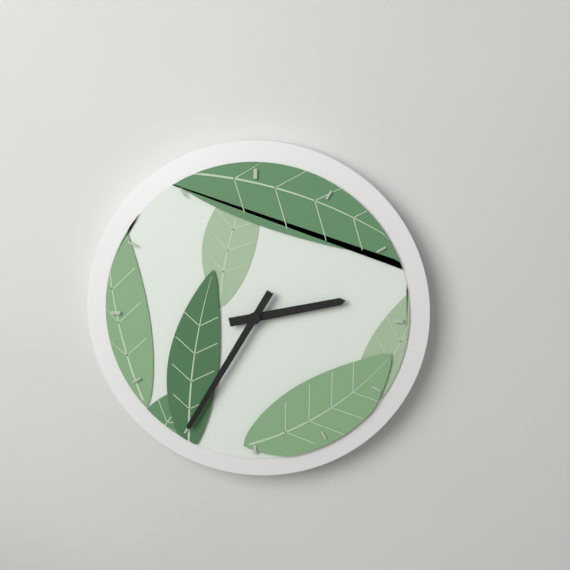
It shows 2h35
